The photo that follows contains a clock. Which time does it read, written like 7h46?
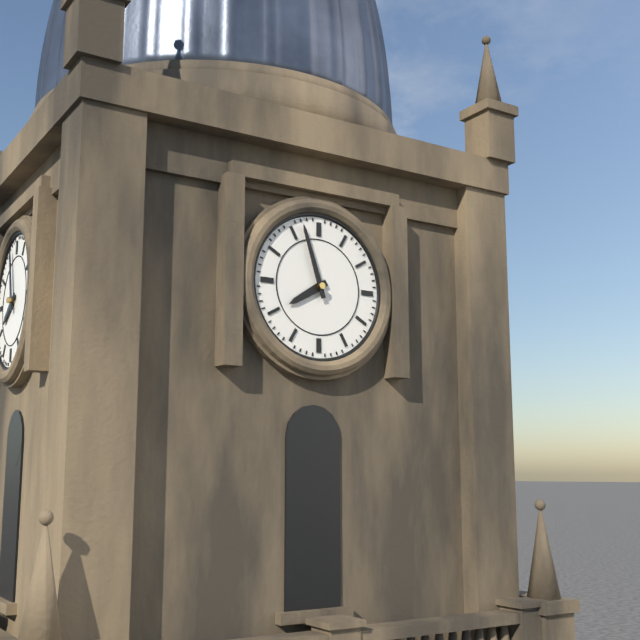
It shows 7h57
